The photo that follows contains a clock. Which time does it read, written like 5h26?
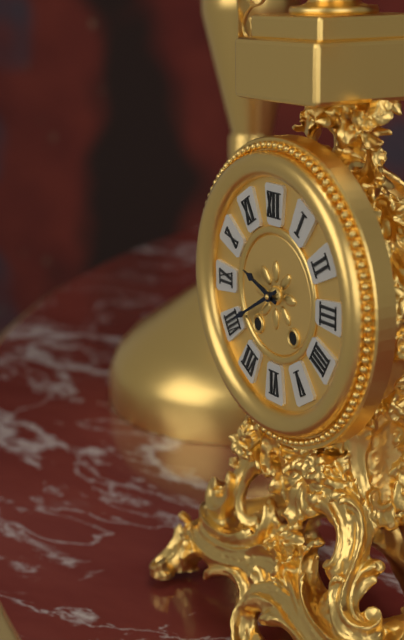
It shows 9h40
